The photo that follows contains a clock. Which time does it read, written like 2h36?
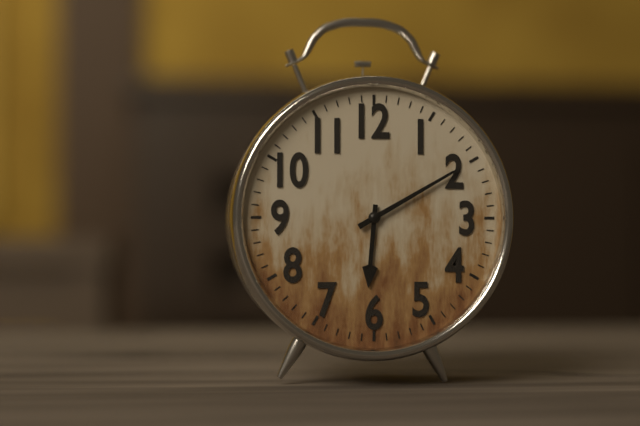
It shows 6h10
